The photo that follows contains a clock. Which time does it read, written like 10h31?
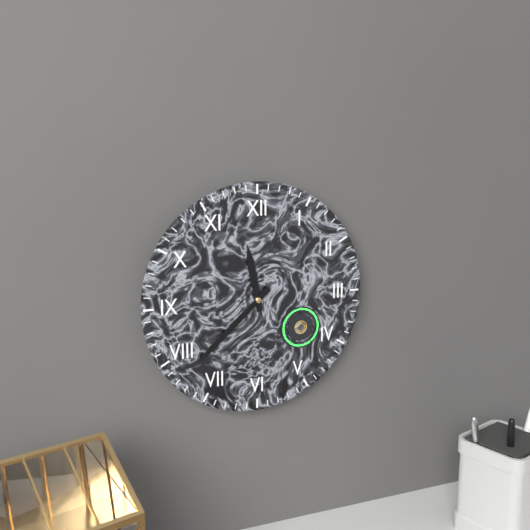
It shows 11h38
